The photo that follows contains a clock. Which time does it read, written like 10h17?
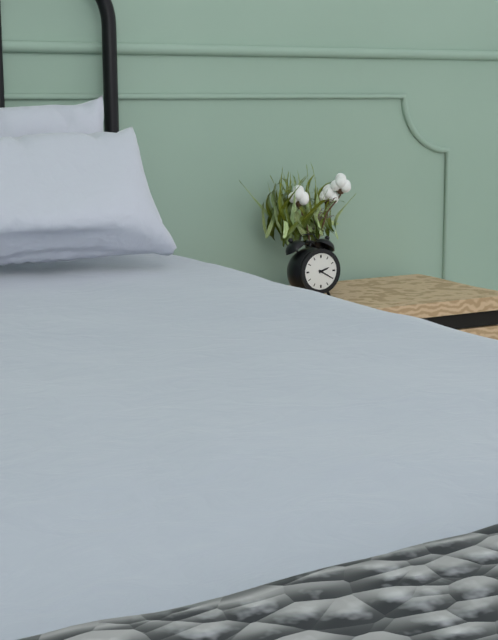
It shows 2h20
